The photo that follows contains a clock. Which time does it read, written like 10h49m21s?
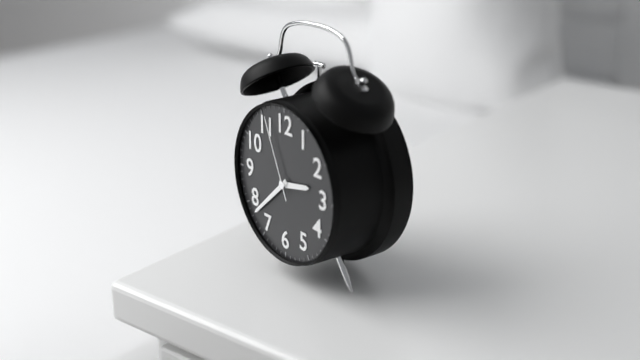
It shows 2h38m56s
